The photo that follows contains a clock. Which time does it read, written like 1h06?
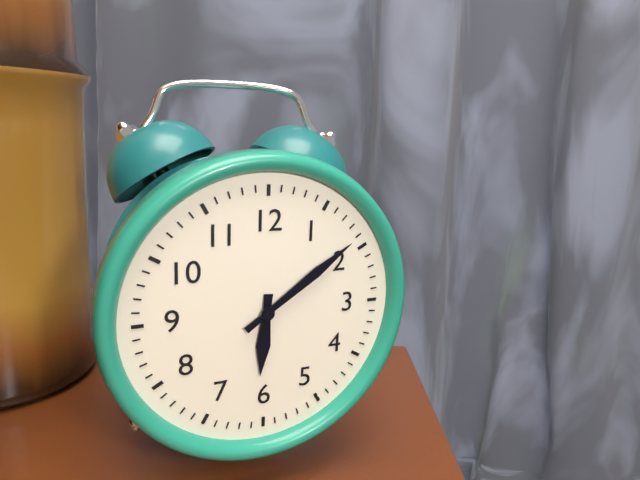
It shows 6h09
